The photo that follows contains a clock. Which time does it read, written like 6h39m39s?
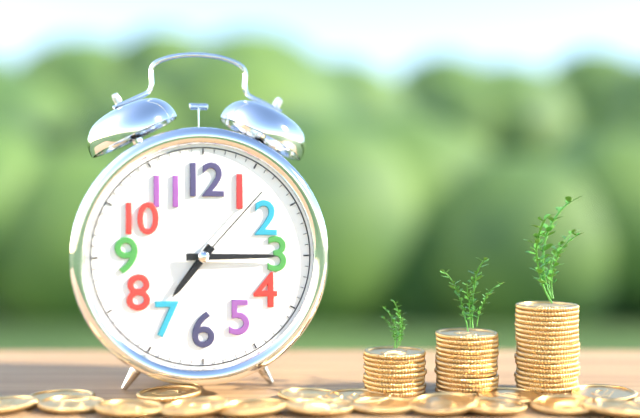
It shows 7h15m07s
